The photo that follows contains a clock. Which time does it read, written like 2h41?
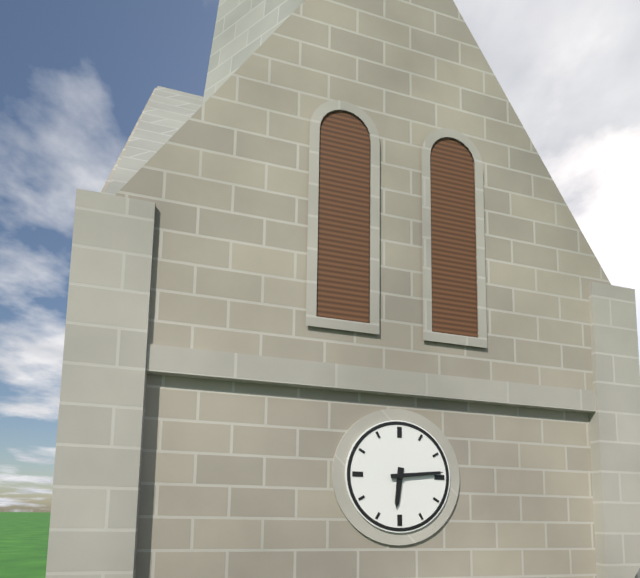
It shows 6h14
